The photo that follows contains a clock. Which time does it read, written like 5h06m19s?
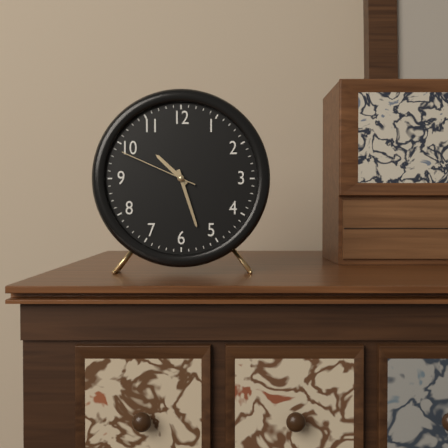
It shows 10h27m49s
